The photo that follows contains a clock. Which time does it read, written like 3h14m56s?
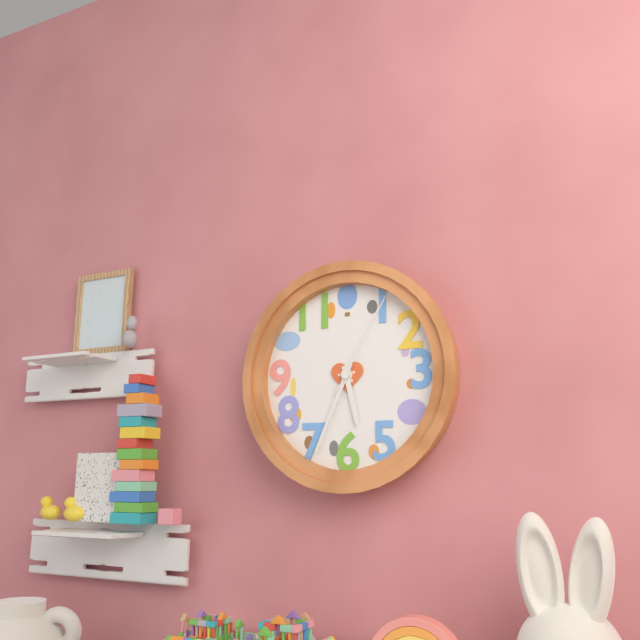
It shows 5h34m05s
